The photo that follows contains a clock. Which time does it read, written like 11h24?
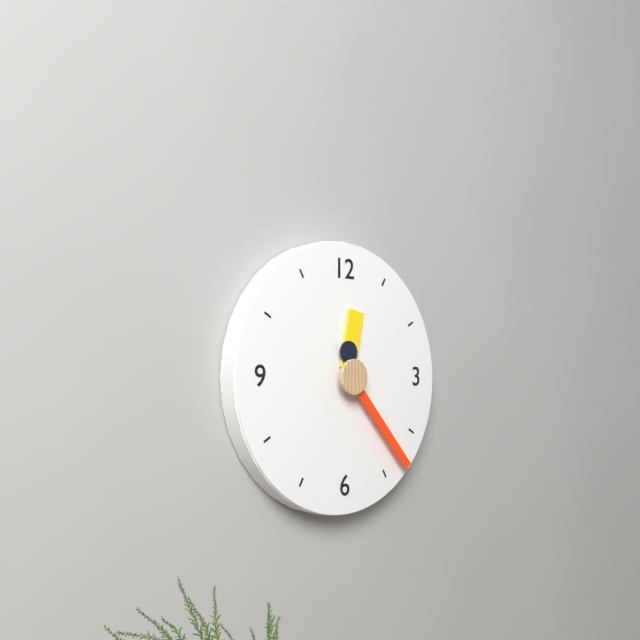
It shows 12h23
